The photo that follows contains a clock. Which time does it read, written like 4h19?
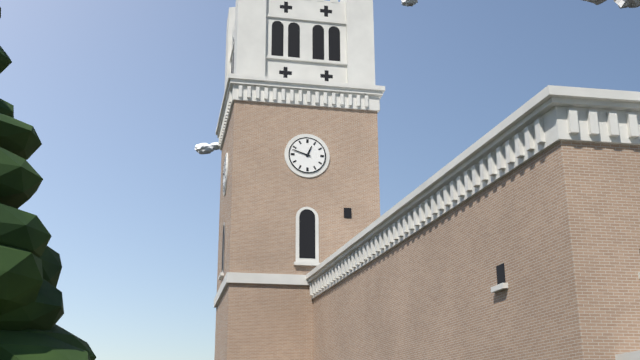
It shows 12h48
